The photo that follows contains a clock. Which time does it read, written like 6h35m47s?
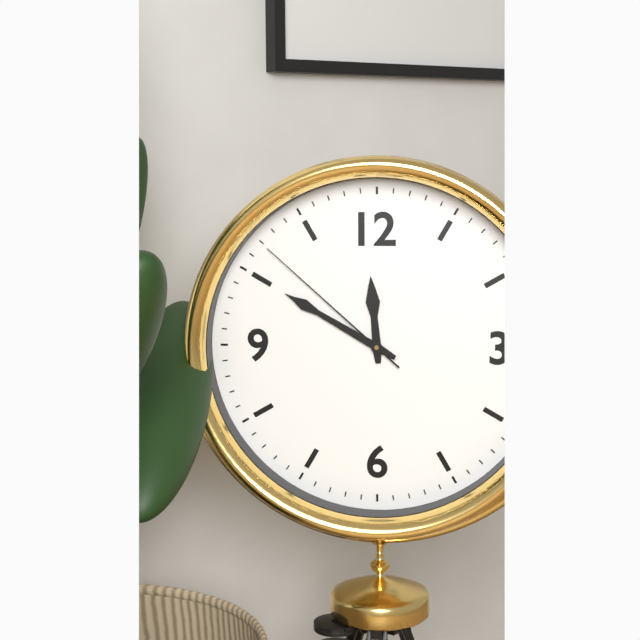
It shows 11h50m52s
